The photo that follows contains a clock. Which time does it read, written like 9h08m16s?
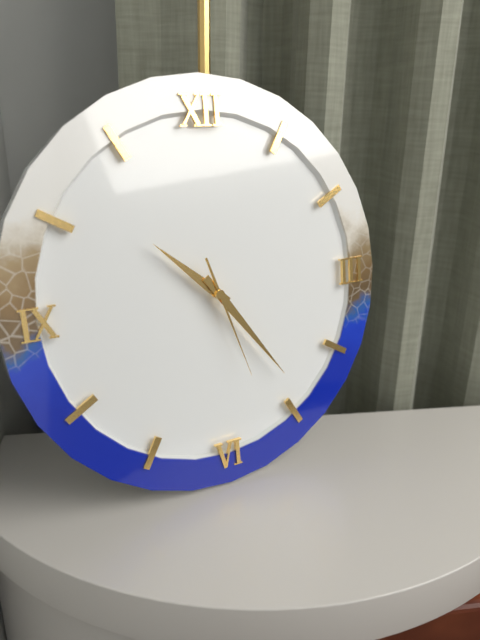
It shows 10h24m27s
